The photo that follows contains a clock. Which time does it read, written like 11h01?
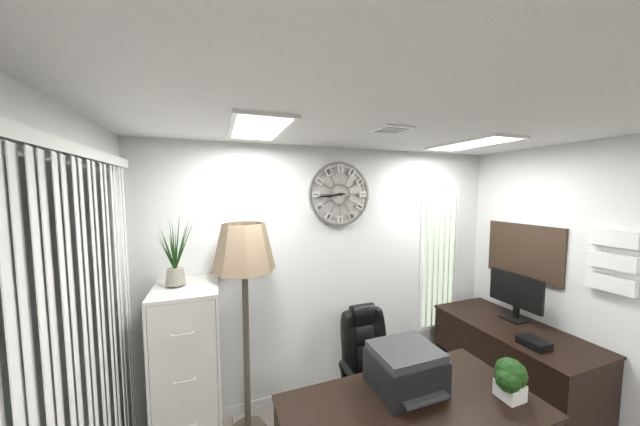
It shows 8h44
